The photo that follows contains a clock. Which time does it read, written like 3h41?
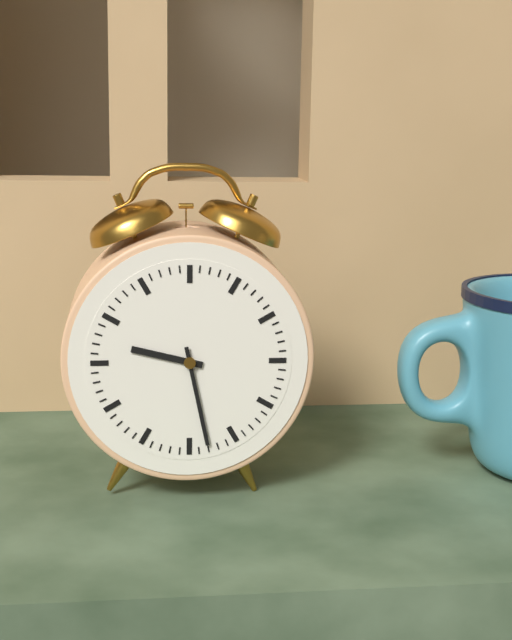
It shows 9h28
